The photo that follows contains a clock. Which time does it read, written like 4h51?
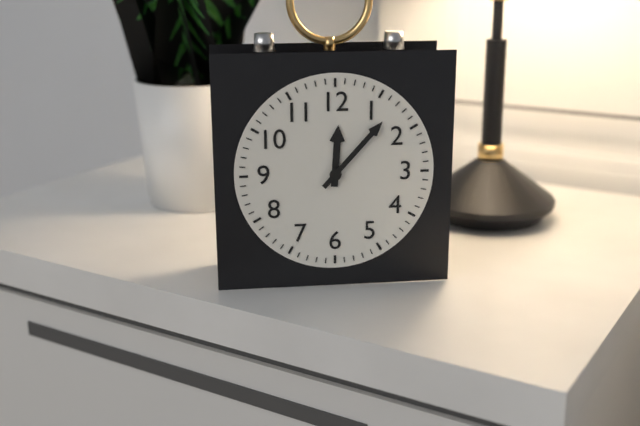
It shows 12h07
